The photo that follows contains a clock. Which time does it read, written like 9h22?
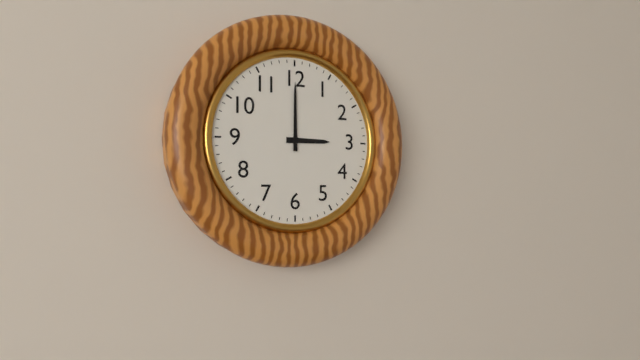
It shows 3h00
